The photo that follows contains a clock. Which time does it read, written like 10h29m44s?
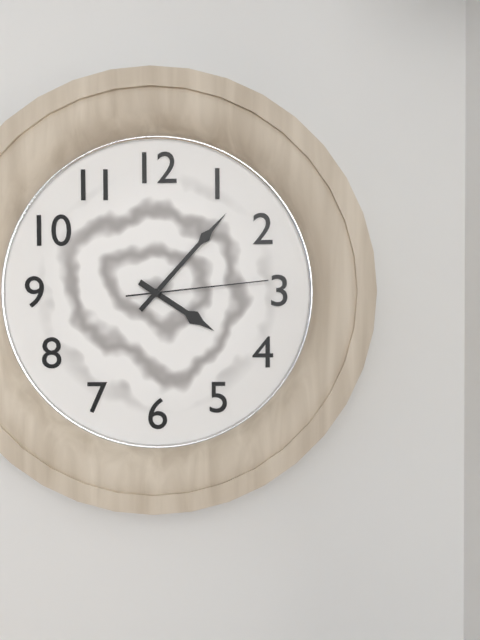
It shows 4h07m14s
